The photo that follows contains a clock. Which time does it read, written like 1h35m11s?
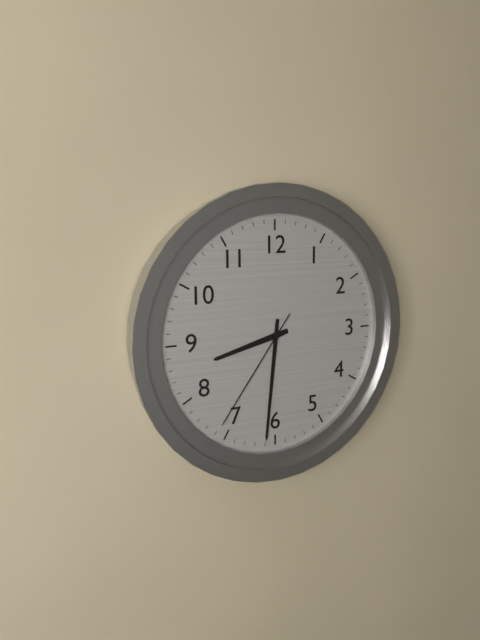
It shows 8h31m36s
